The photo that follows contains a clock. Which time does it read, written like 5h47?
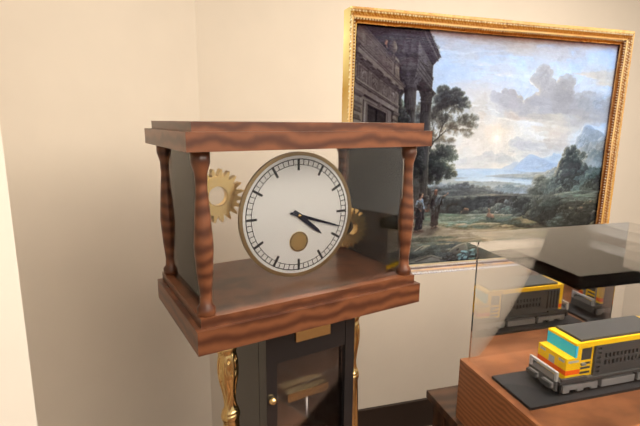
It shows 4h18
